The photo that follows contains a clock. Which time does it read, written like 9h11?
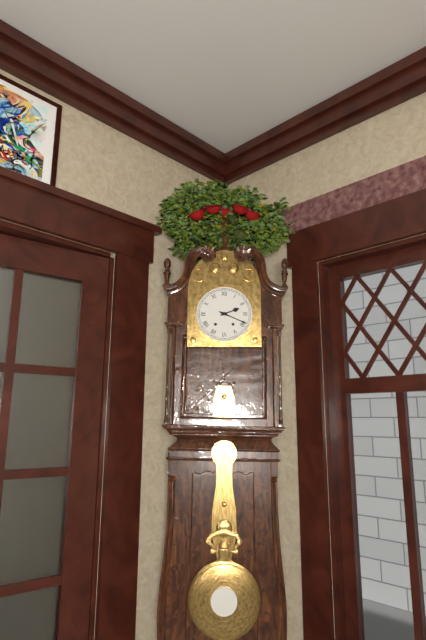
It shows 2h19
